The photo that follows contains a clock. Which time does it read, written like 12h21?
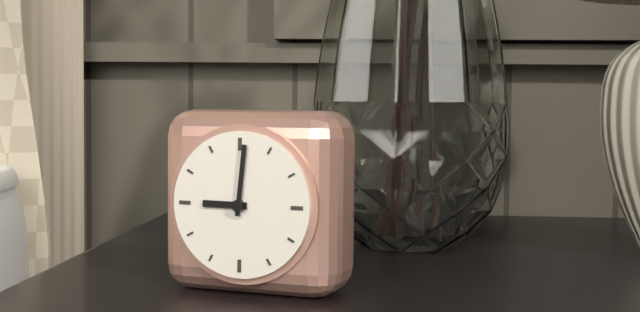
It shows 9h01
